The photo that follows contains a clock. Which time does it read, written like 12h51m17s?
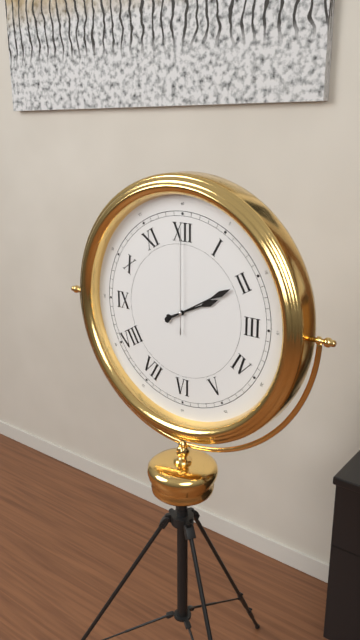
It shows 2h10m00s
